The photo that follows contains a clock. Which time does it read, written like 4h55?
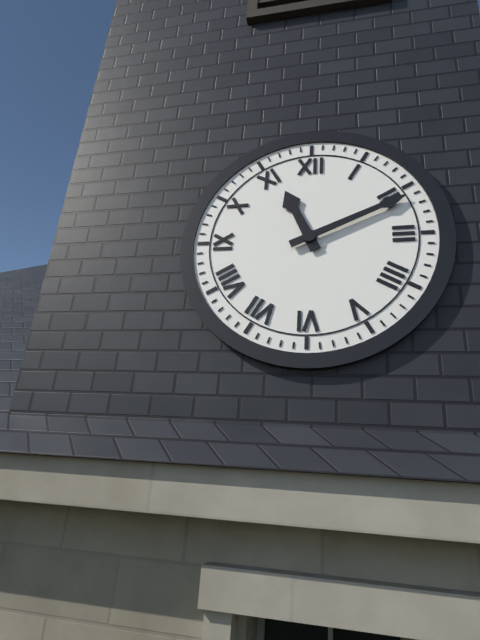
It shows 11h11
